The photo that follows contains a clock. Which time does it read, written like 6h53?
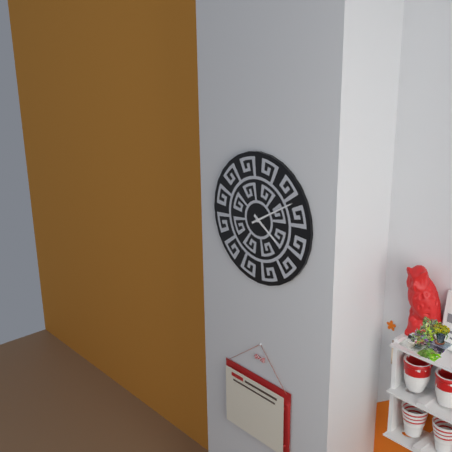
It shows 4h10
